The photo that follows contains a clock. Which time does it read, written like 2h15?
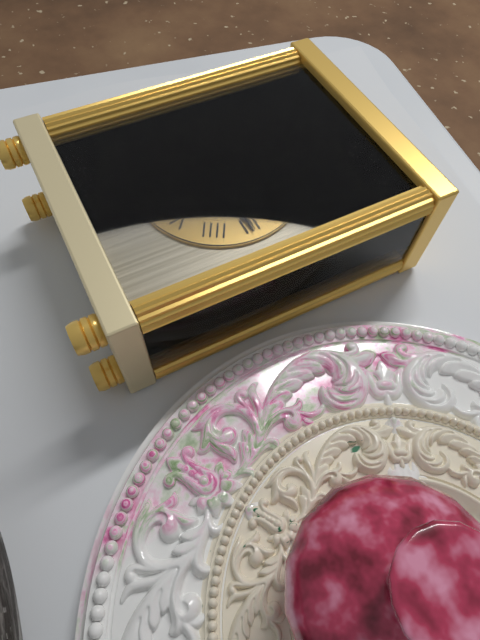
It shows 1h15
